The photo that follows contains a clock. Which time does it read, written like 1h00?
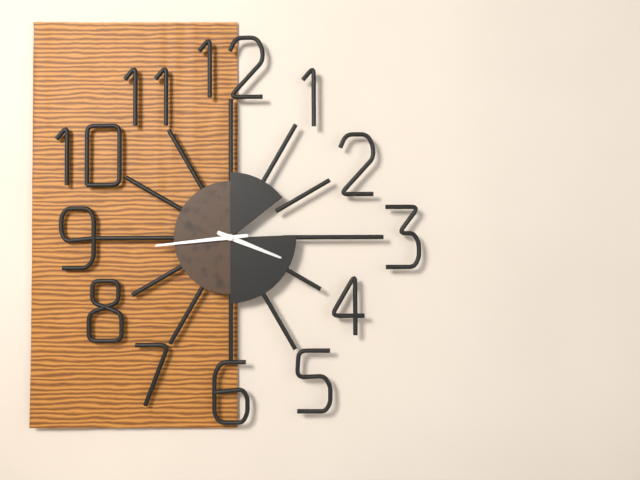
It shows 3h44
